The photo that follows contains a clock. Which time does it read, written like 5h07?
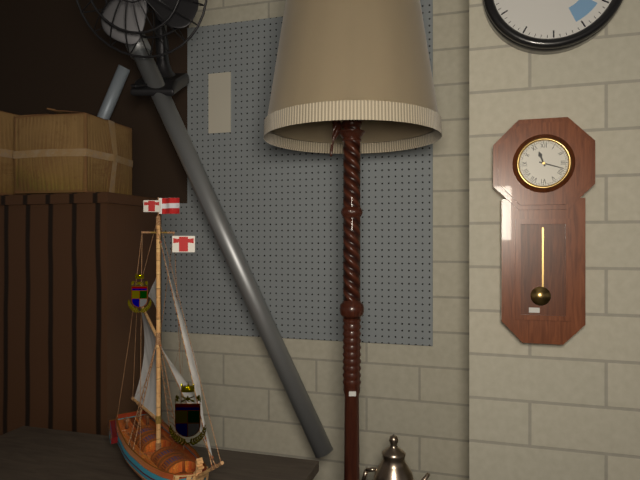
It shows 11h18
